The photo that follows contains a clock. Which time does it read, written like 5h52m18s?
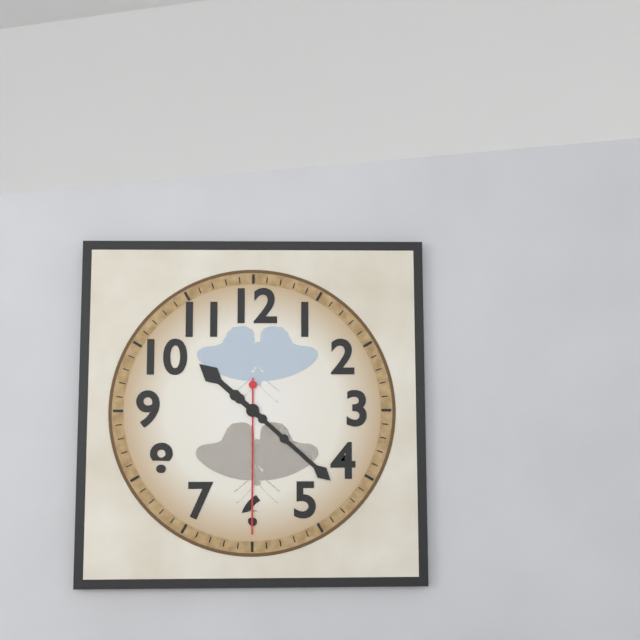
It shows 10h22m30s
